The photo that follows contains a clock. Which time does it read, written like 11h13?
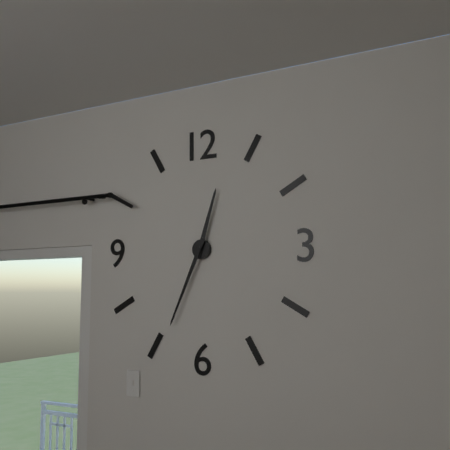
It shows 12h34
